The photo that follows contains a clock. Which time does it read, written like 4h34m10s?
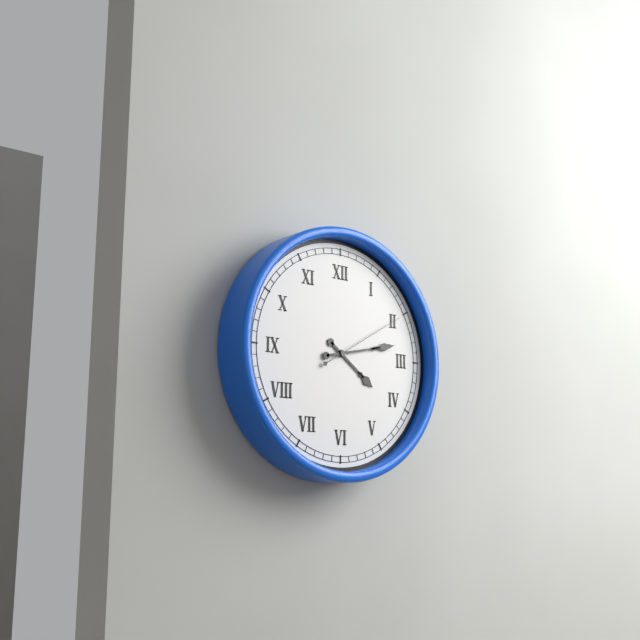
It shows 4h13m10s
